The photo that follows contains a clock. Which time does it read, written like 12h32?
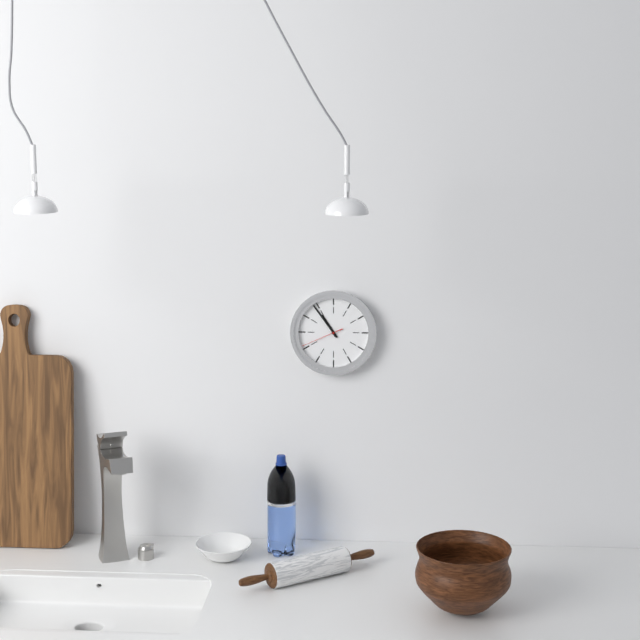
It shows 10h54
